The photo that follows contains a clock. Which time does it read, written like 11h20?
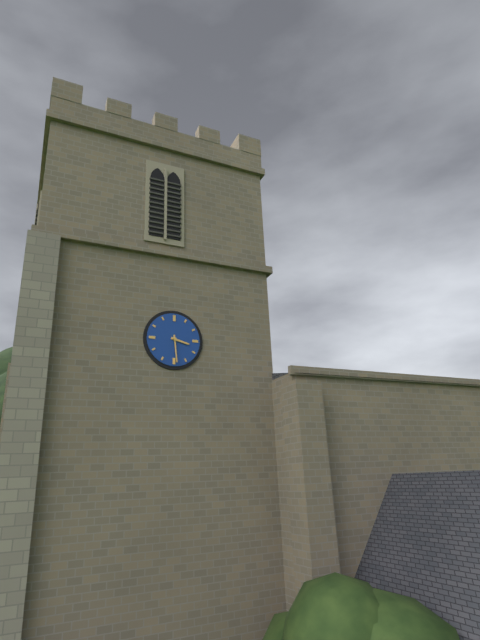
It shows 3h29
